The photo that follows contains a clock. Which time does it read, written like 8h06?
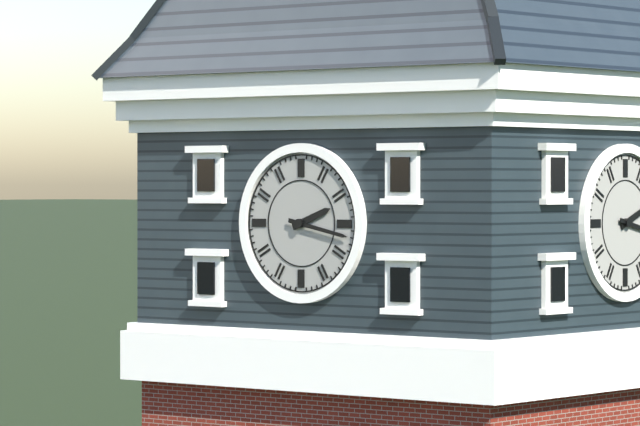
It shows 2h17
